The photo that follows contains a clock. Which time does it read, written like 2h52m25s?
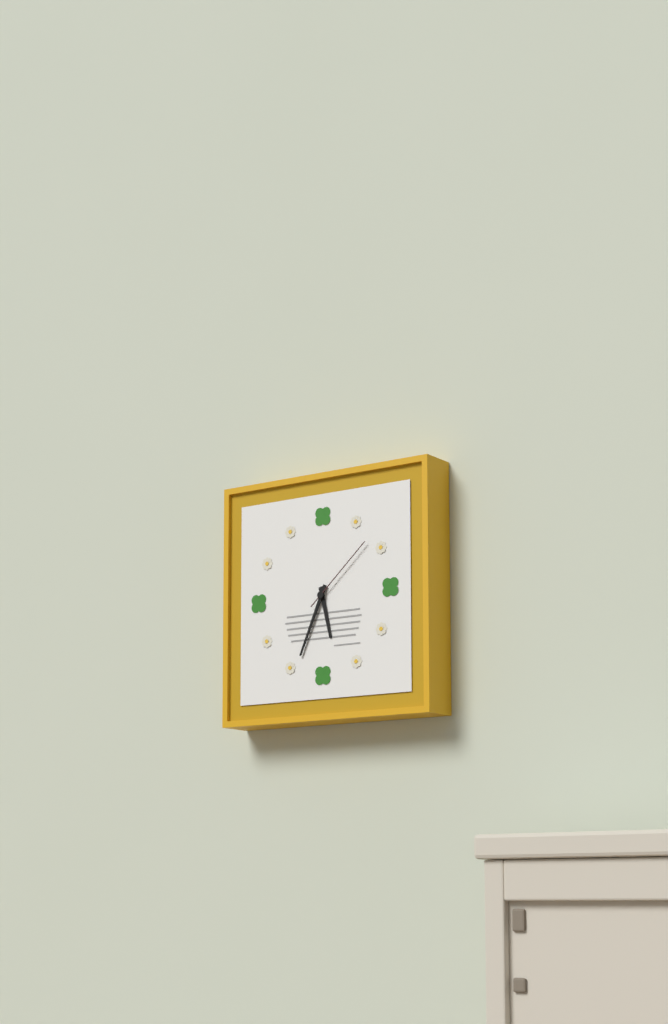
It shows 5h34m08s
